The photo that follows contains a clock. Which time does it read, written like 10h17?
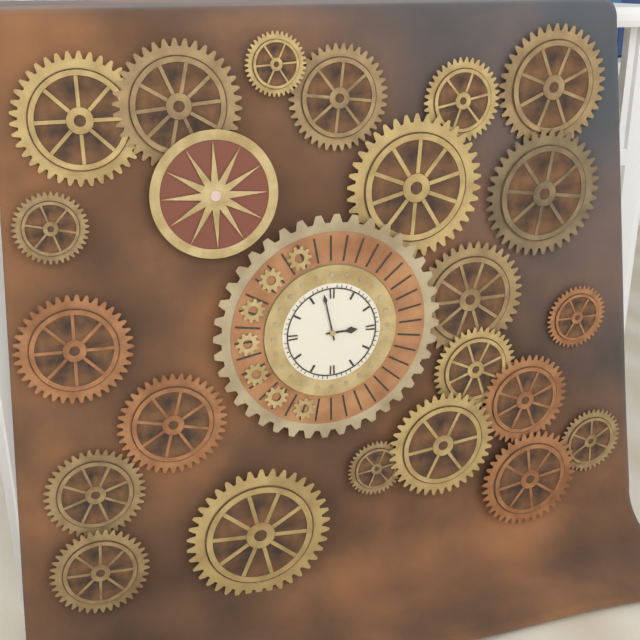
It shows 2h58
